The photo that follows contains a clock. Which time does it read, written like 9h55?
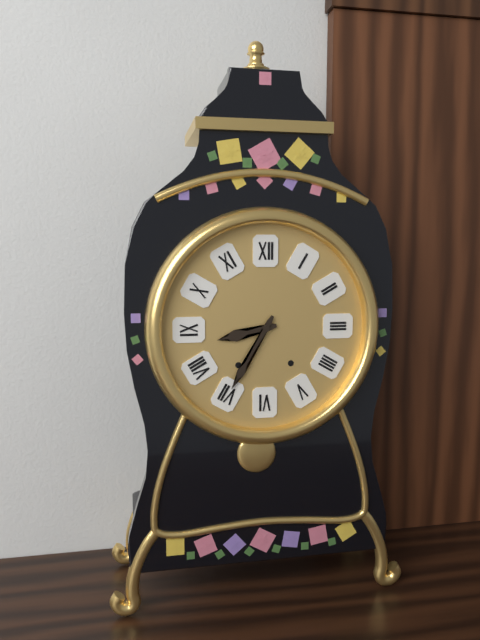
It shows 8h35
